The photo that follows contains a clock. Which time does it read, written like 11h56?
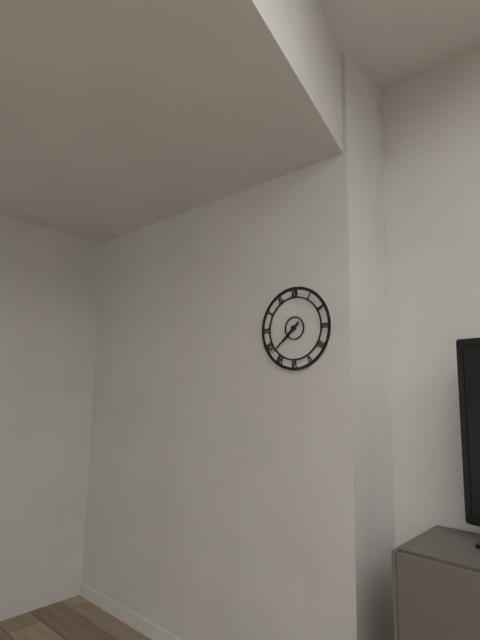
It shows 7h38
